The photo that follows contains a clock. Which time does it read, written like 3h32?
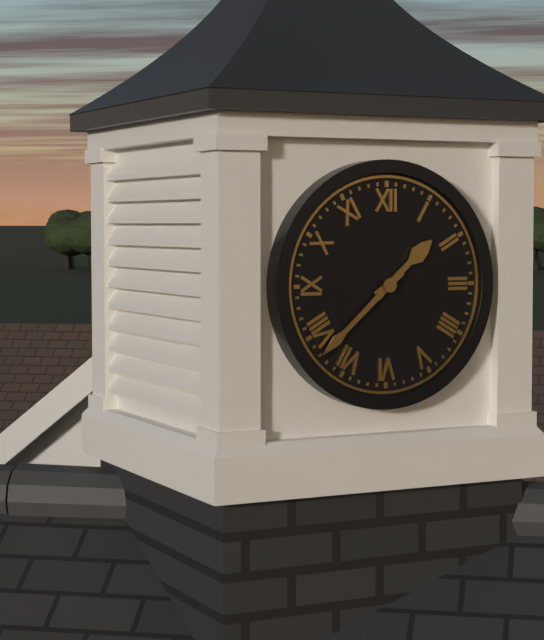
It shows 1h38
